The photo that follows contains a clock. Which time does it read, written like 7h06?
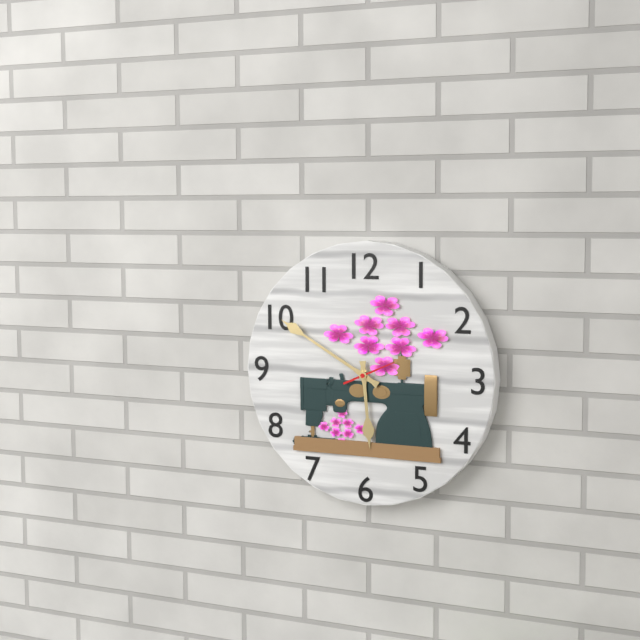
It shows 5h50
